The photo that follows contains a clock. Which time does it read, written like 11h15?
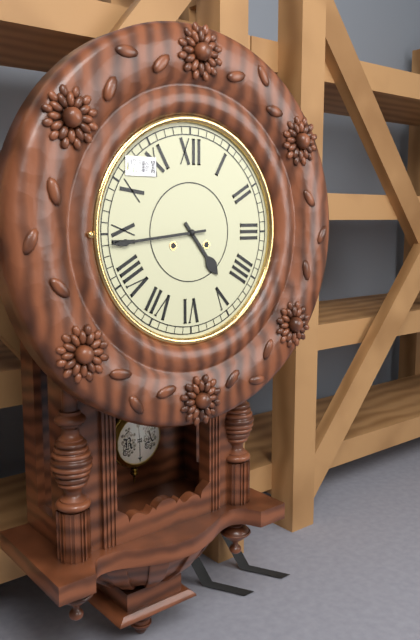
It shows 4h44
